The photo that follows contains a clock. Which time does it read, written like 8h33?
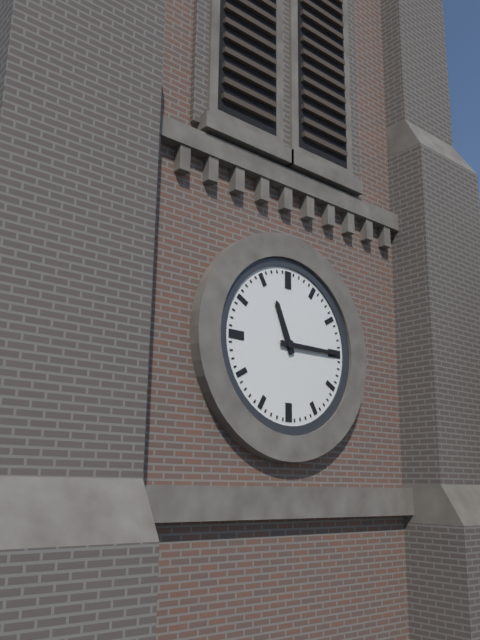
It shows 11h15
